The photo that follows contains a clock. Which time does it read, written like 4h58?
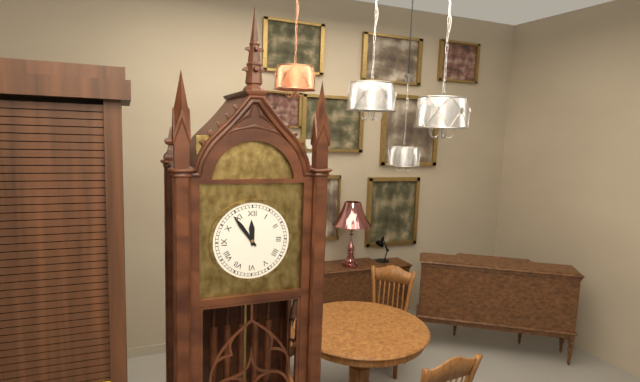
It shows 11h54
